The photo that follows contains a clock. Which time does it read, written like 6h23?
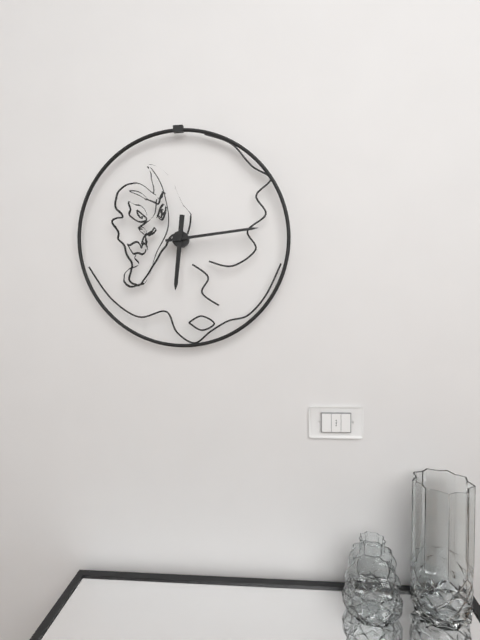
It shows 6h14
